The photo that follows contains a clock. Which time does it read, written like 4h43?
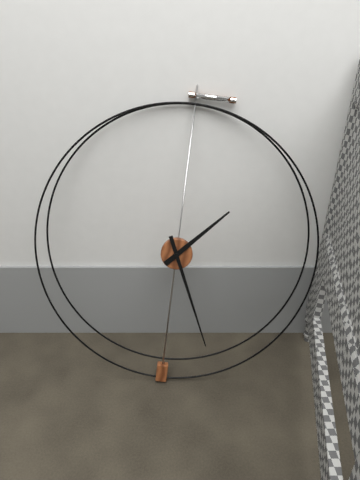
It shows 1h26
